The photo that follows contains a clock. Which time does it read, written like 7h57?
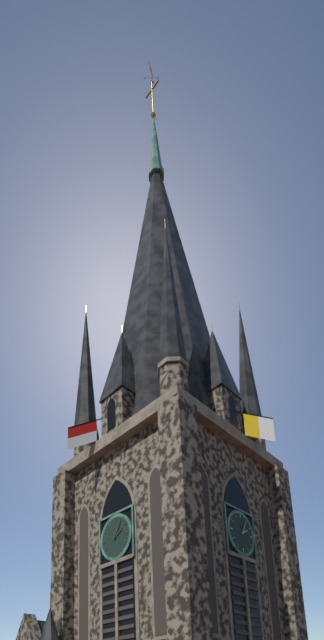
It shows 2h05
